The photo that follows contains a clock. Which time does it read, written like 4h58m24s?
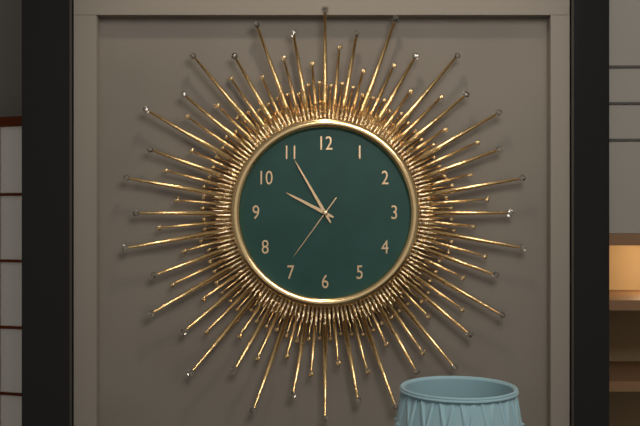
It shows 9h55m36s
